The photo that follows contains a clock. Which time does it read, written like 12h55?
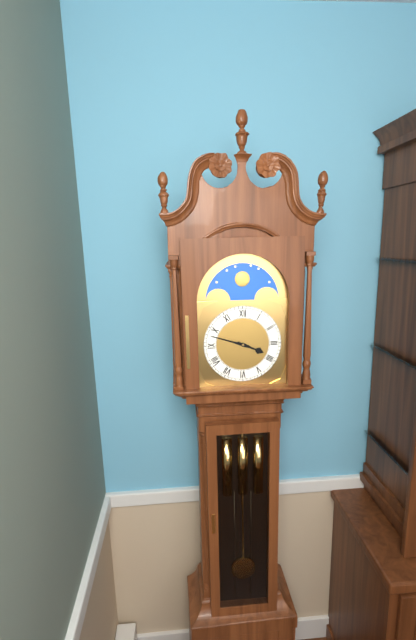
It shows 3h48
